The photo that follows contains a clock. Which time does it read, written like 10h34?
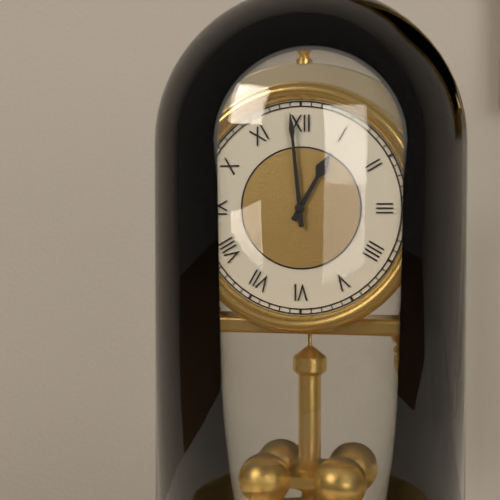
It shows 12h59
